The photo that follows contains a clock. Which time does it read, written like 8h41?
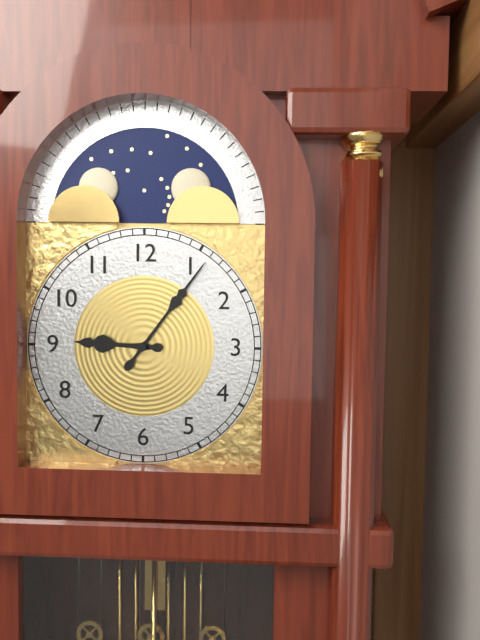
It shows 9h06
